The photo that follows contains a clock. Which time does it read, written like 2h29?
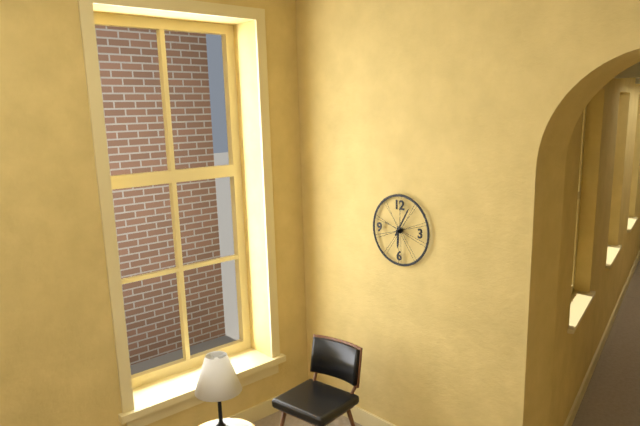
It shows 6h05
